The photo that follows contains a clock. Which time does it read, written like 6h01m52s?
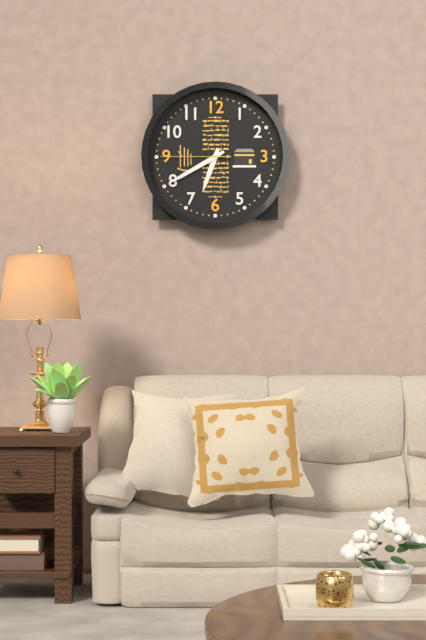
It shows 6h40m45s
